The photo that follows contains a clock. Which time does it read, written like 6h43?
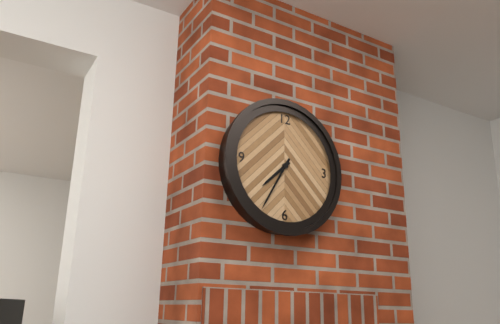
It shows 7h35
